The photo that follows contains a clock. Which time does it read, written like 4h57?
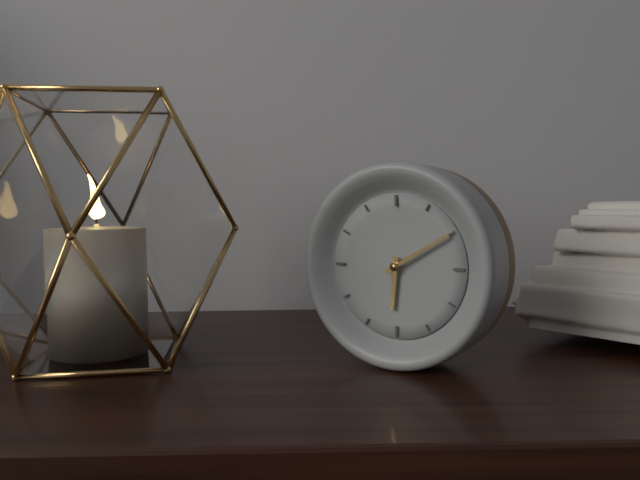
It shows 6h10
